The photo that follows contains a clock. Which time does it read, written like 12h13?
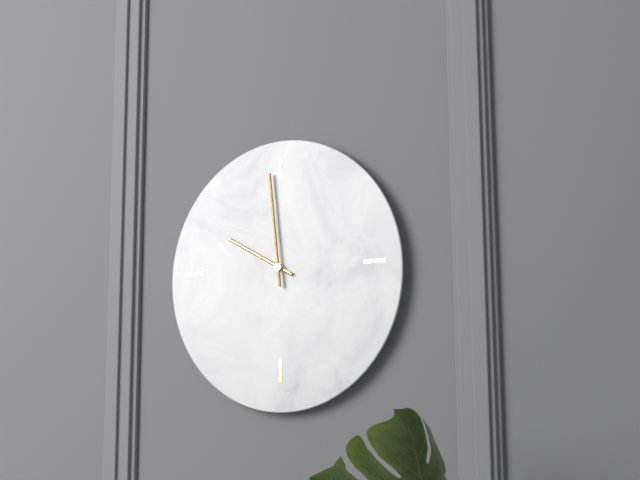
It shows 9h59
